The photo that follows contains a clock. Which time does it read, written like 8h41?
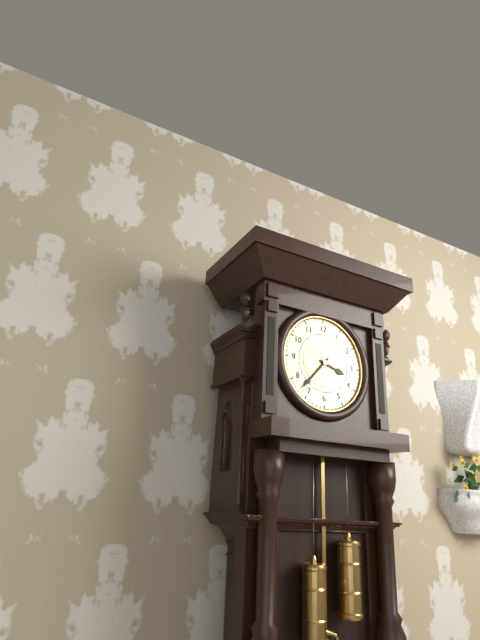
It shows 3h37
